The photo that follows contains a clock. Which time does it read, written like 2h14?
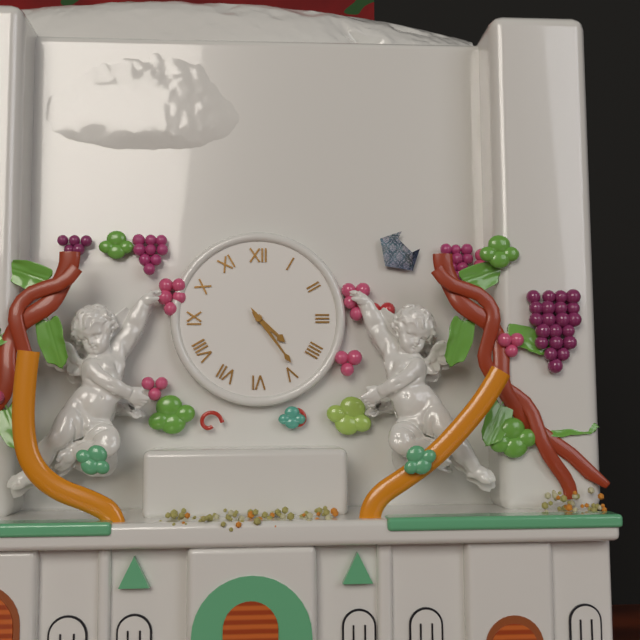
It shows 4h24
